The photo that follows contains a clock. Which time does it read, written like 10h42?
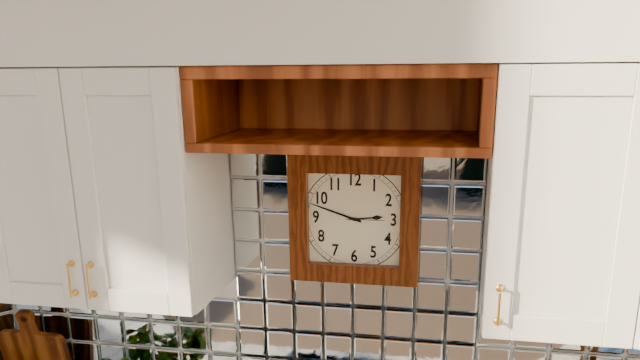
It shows 2h48
